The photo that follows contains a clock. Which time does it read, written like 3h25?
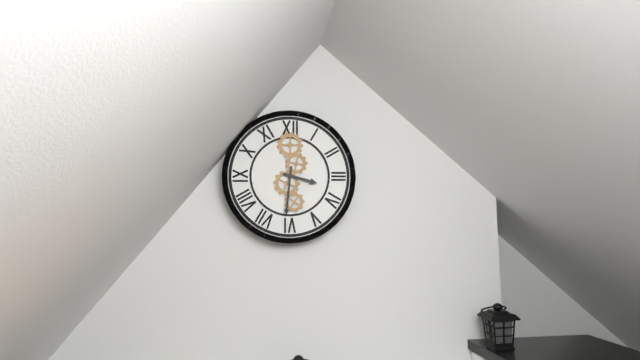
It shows 3h31
